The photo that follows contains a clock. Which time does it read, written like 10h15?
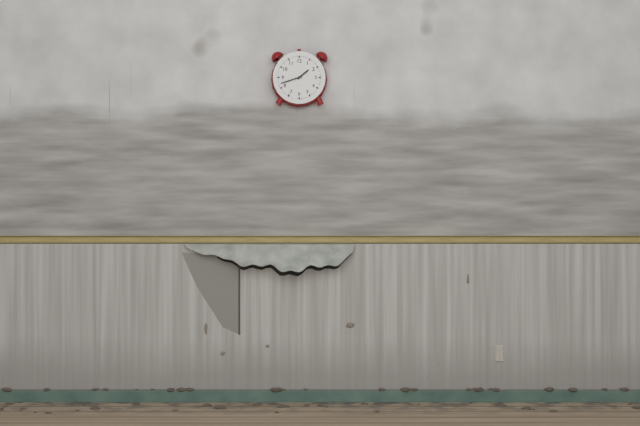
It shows 1h42
